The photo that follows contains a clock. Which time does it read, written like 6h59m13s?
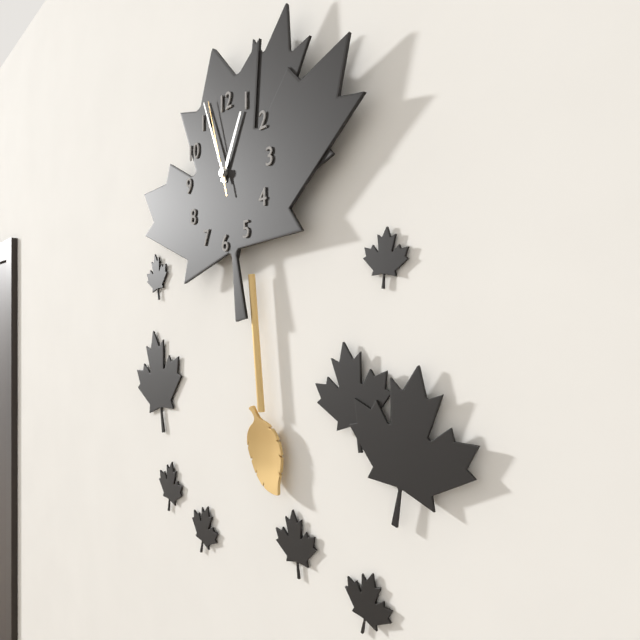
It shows 12h56m57s
